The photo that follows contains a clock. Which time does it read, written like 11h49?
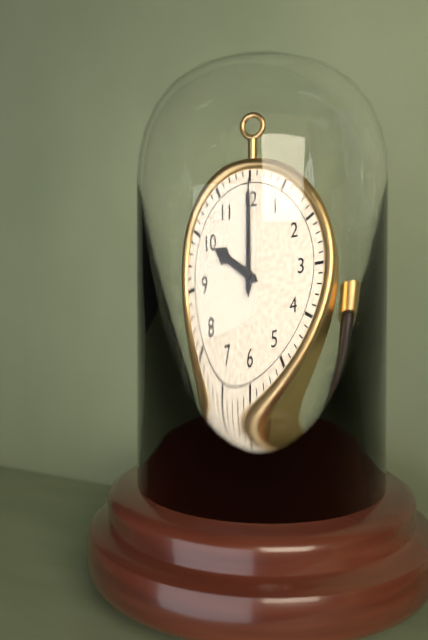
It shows 10h00
